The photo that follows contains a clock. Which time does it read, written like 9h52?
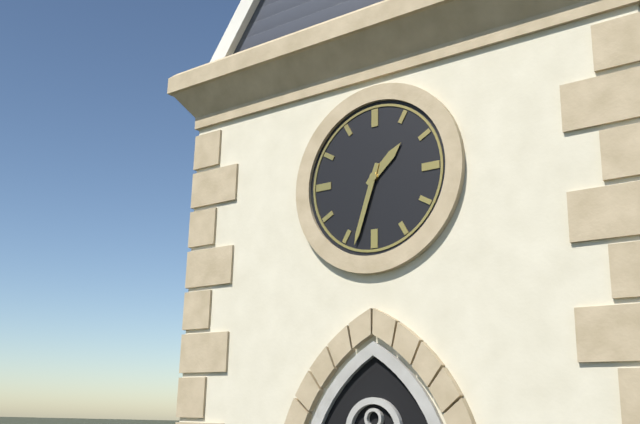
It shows 1h33
